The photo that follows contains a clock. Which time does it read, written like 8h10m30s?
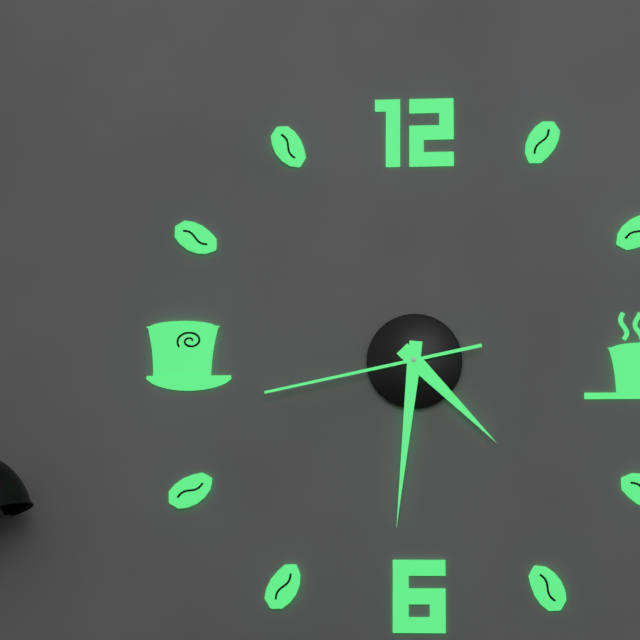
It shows 4h31m43s
